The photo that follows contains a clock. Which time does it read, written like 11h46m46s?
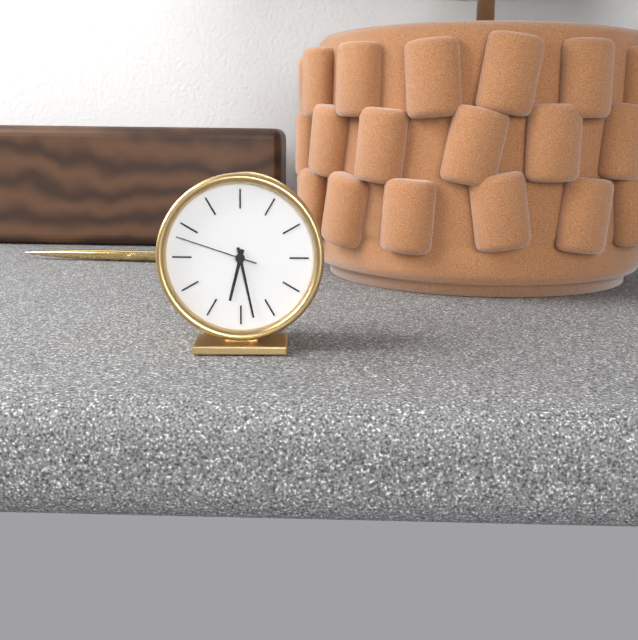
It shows 6h28m48s
